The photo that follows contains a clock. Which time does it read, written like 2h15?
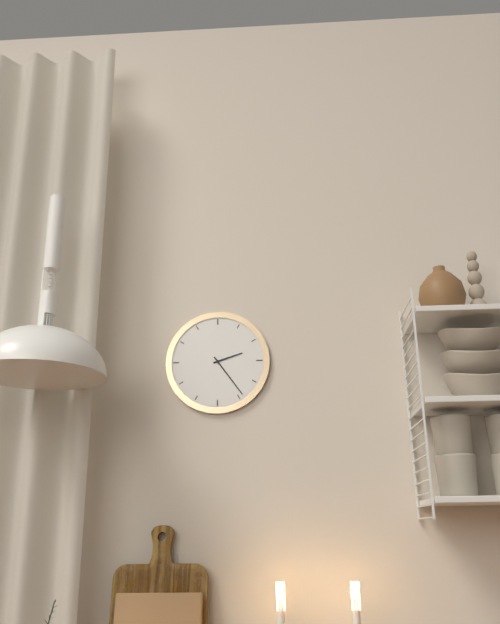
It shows 2h24
